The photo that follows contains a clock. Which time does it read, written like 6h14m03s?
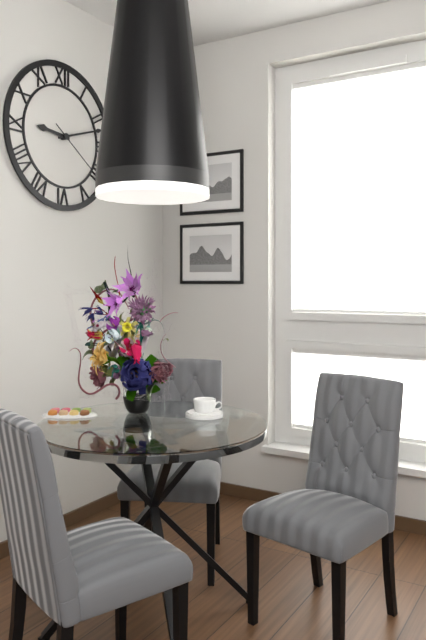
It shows 9h12m21s
